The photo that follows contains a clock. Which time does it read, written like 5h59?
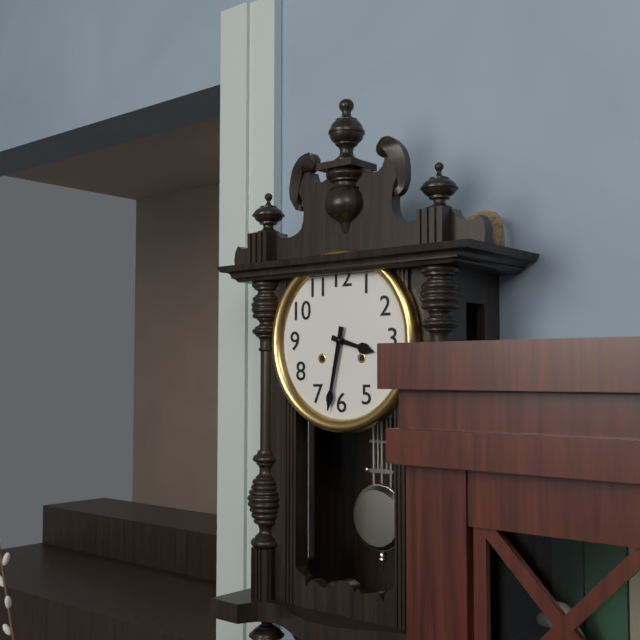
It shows 3h32
